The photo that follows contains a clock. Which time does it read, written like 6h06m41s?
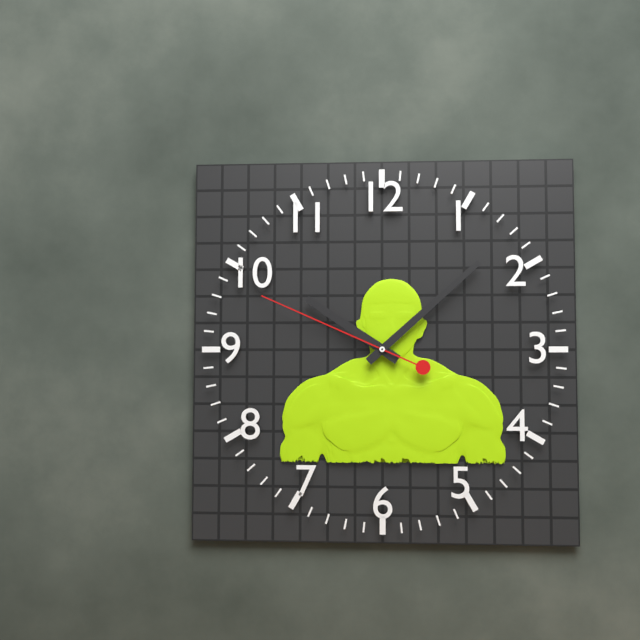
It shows 10h08m49s
